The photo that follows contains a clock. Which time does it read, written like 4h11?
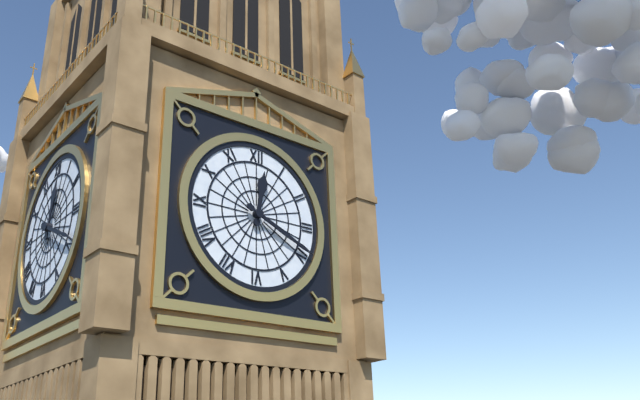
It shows 12h19
